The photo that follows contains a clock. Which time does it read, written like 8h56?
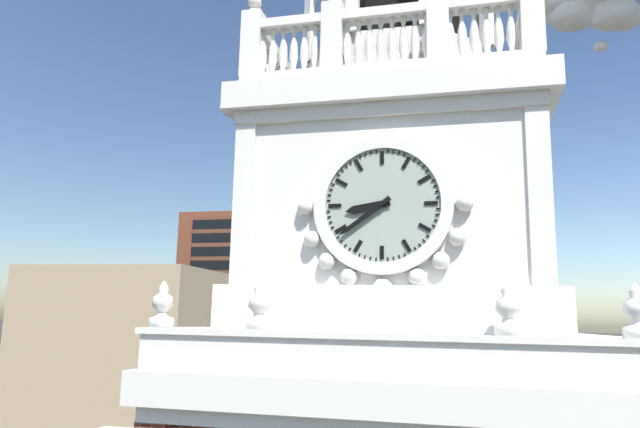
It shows 8h39
